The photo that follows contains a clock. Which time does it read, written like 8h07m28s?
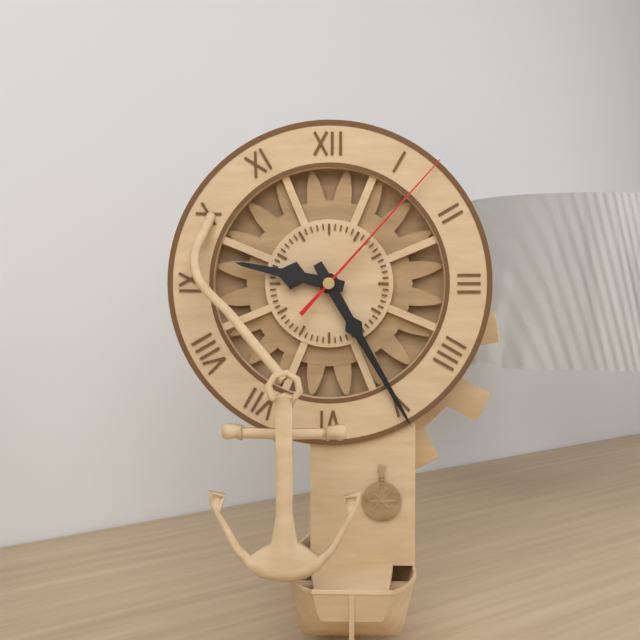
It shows 9h25m07s
